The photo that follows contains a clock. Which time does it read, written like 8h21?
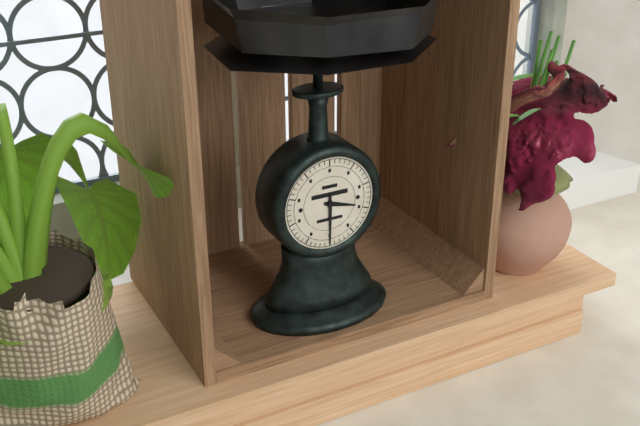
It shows 3h30
